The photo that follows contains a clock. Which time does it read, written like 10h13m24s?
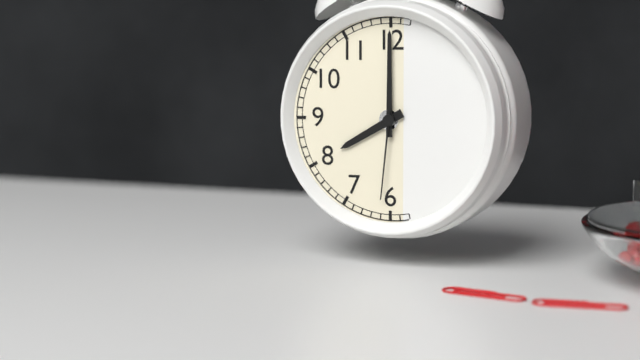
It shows 8h00m31s
